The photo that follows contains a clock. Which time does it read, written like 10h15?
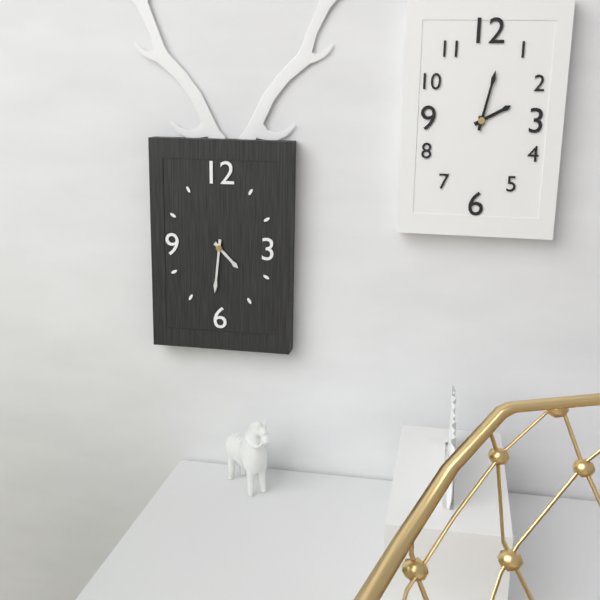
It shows 4h31
